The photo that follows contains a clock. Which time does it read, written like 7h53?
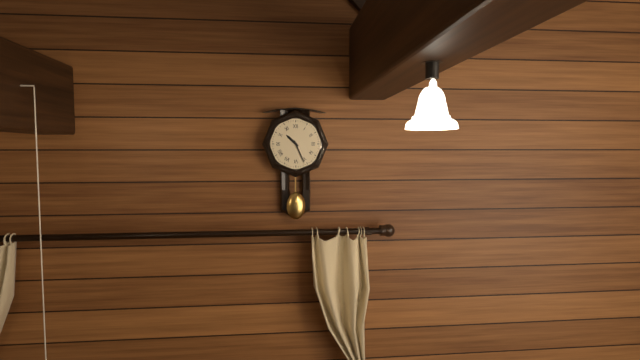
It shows 10h26
